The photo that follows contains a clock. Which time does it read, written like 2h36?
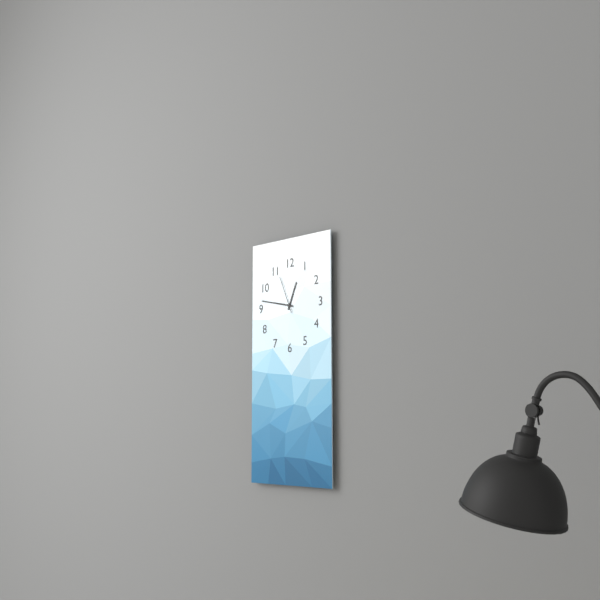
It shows 12h47
